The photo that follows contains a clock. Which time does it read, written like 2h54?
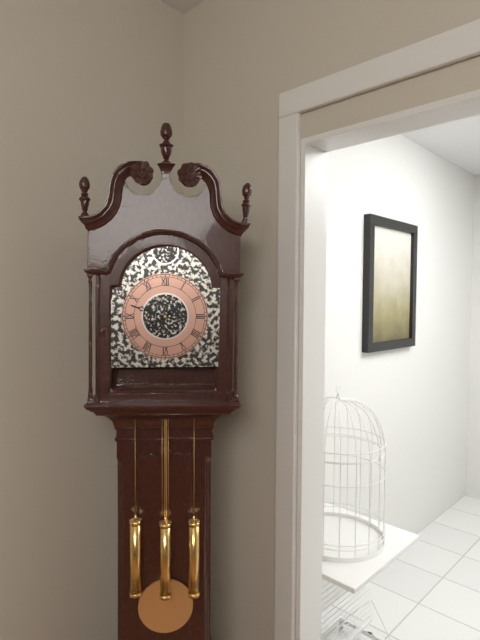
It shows 7h48
